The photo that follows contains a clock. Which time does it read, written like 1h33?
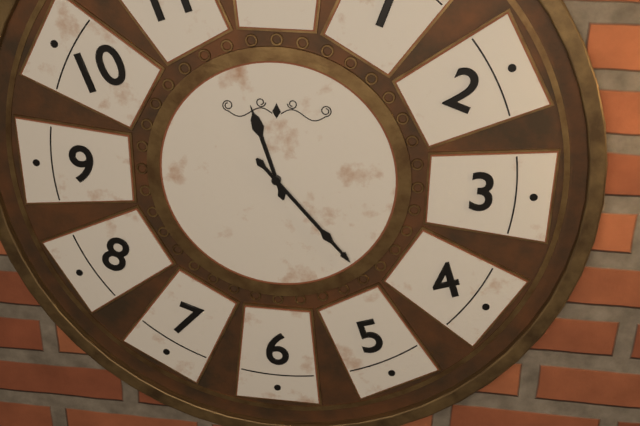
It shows 11h23
